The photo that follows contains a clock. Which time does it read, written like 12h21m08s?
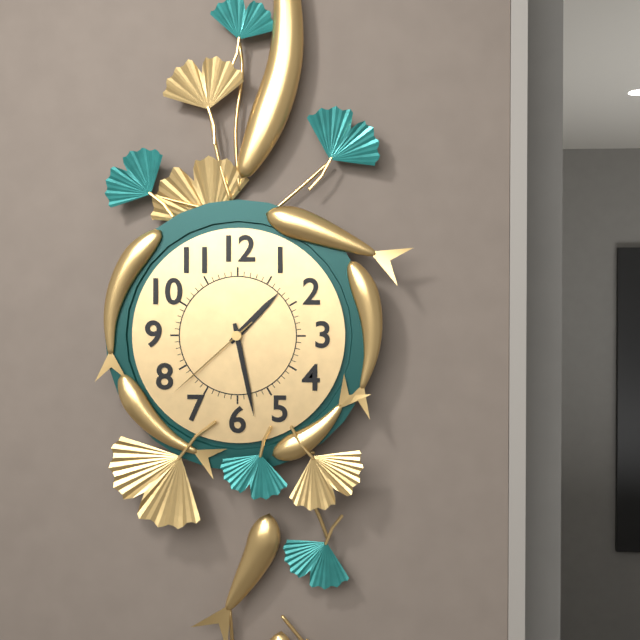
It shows 1h28m38s
